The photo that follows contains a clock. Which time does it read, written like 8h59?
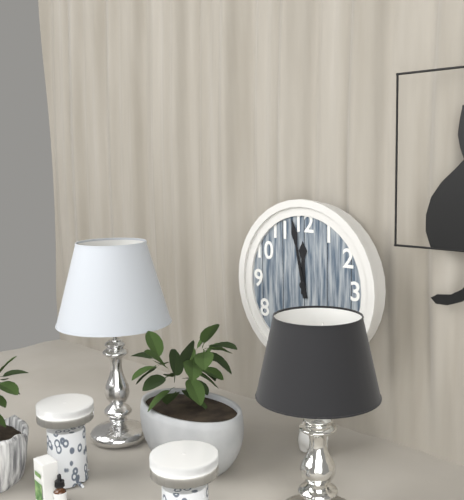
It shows 11h58
